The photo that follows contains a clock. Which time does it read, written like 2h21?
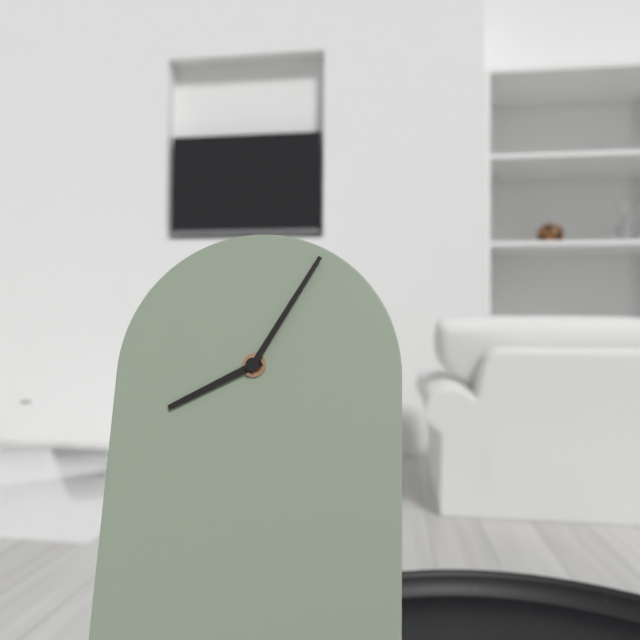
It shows 8h05
